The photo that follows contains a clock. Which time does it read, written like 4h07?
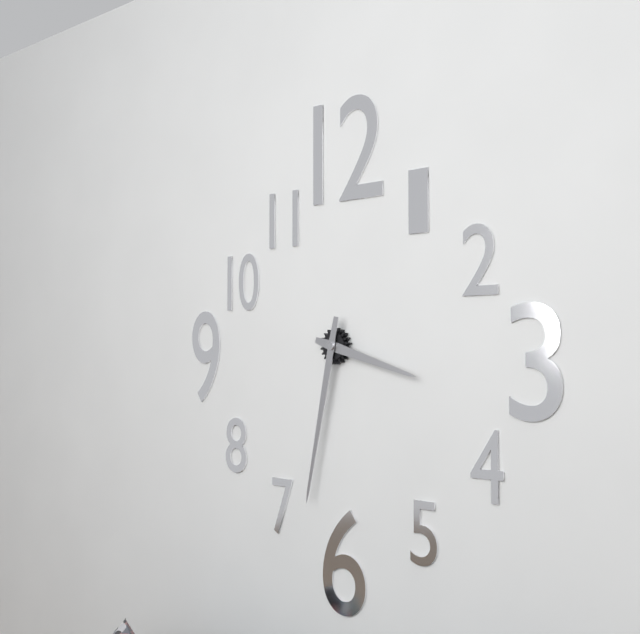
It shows 3h32
